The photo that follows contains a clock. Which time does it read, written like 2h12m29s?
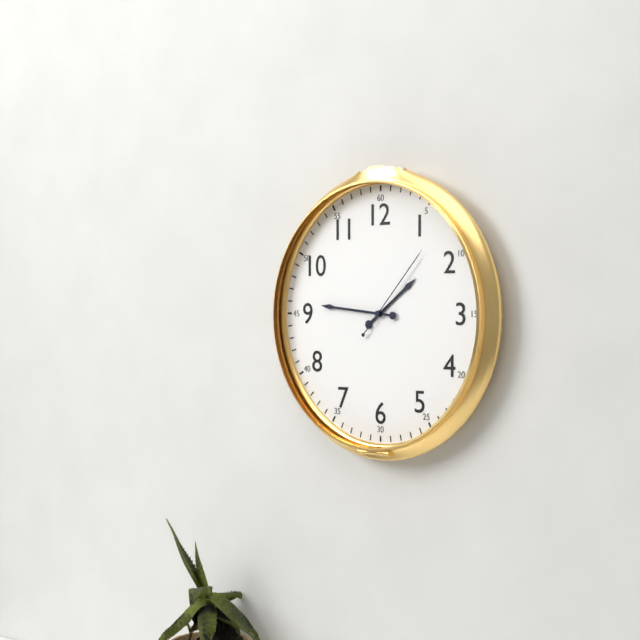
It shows 1h46m07s
